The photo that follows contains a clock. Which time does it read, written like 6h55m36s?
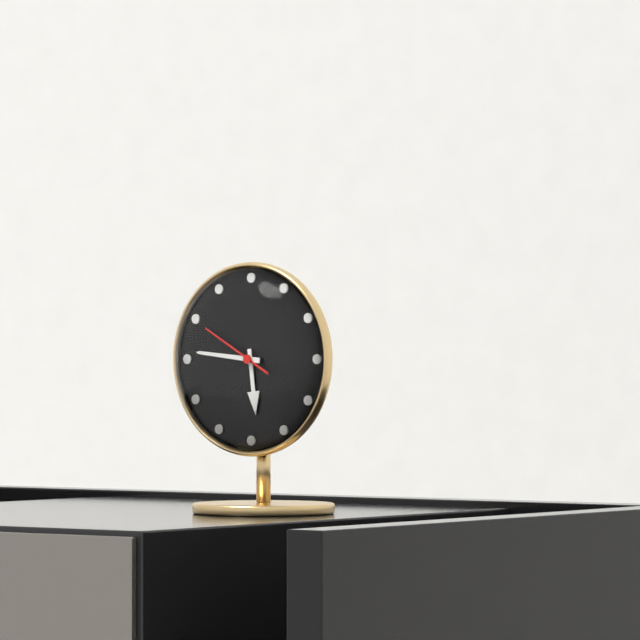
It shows 5h46m50s
